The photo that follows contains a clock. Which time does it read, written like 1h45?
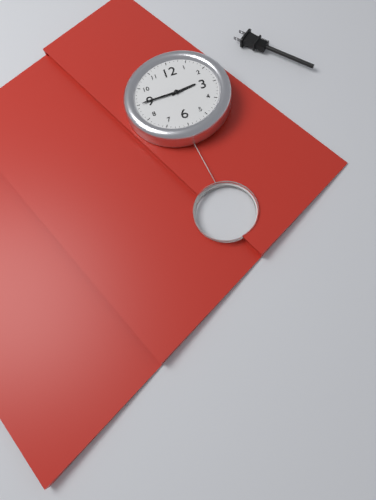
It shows 2h45
